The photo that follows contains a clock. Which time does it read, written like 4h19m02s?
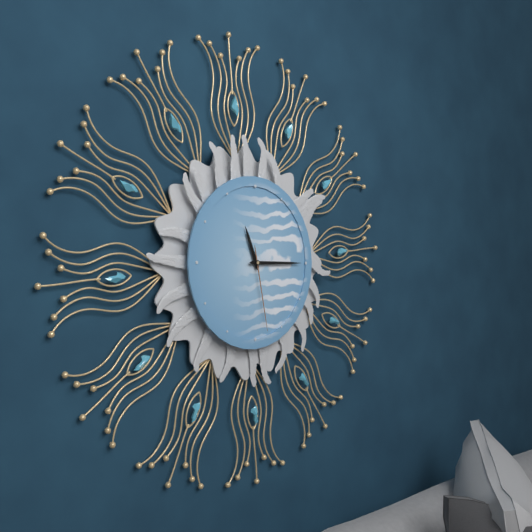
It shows 11h15m28s
